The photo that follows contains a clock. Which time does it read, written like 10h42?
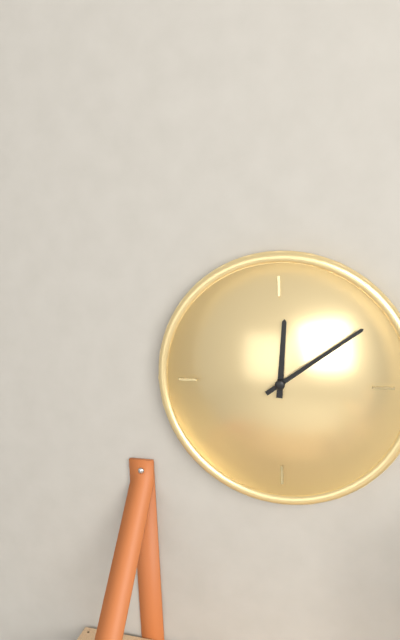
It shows 12h09
